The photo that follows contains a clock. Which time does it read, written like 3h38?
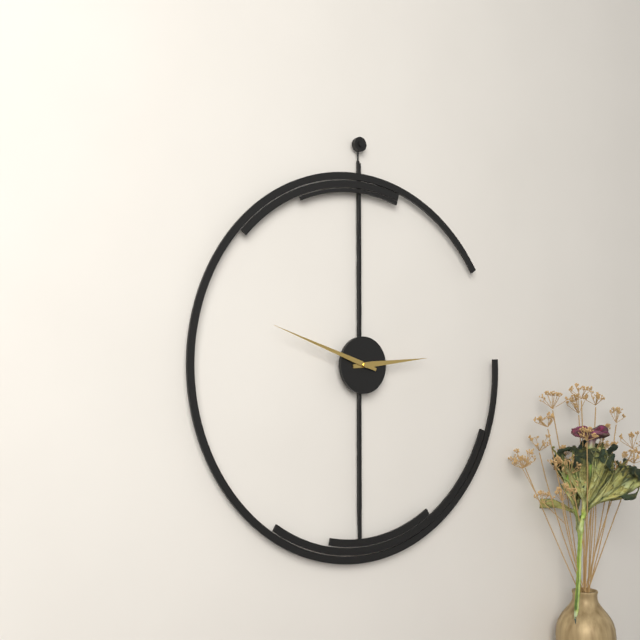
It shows 2h48
